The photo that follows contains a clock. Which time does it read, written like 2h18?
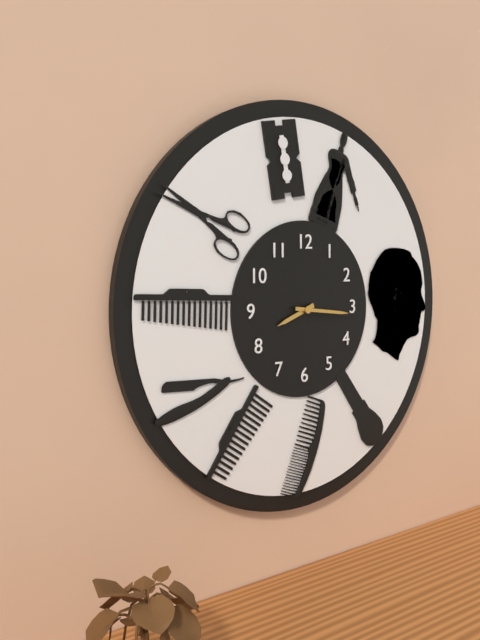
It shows 8h16
